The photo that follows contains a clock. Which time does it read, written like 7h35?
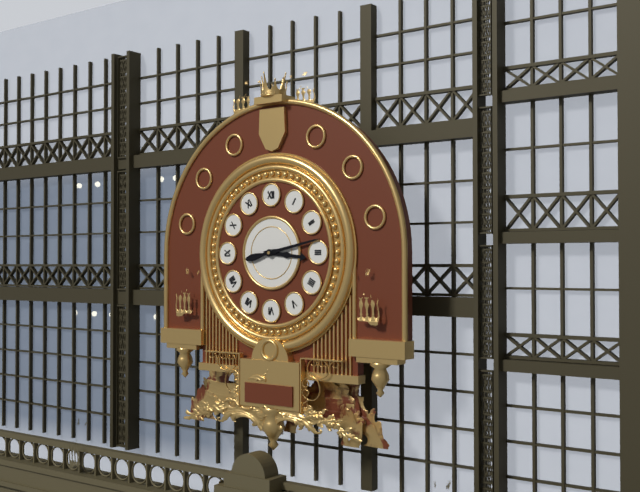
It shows 3h13
